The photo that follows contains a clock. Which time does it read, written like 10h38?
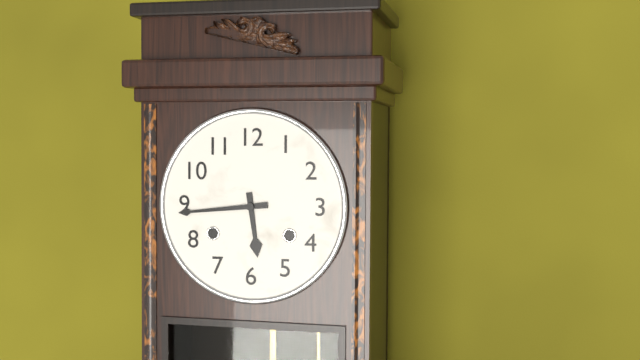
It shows 5h44
